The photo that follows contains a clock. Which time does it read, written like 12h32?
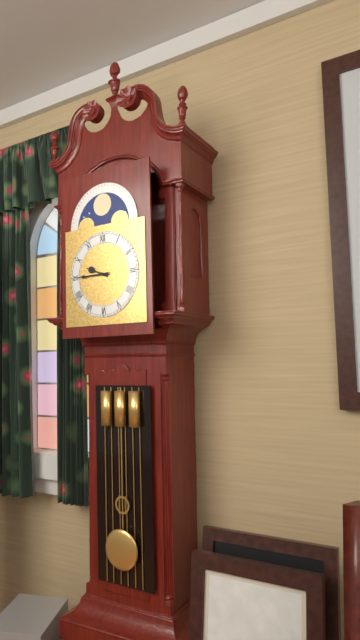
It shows 9h45
